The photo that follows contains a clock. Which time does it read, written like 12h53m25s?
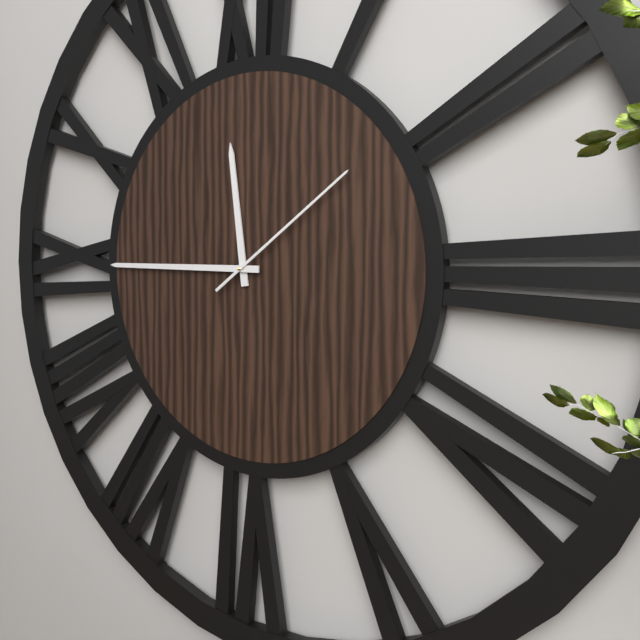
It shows 11h45m09s
